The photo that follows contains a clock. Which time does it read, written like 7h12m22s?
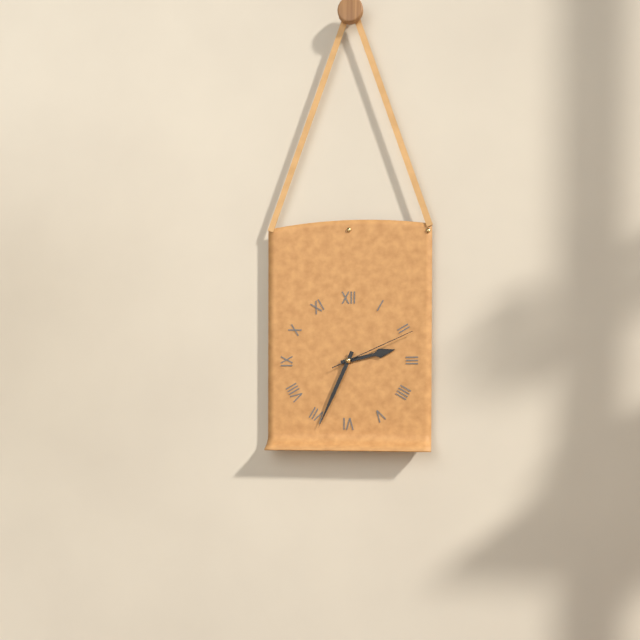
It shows 2h34m11s
